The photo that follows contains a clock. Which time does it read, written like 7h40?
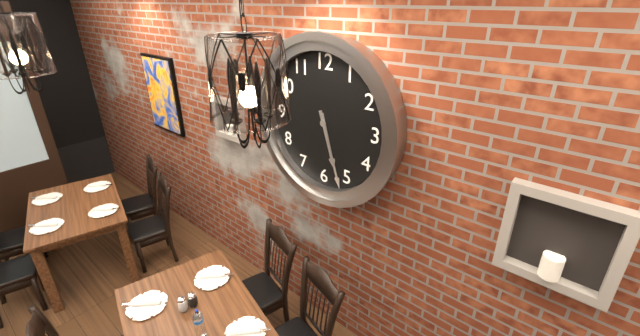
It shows 5h27
